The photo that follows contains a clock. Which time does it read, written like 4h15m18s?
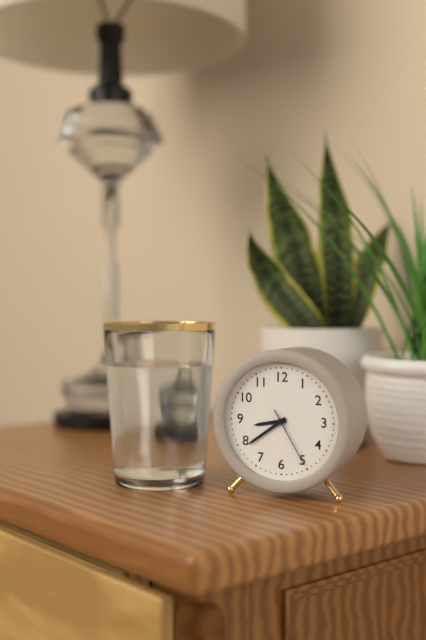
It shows 8h39m25s
